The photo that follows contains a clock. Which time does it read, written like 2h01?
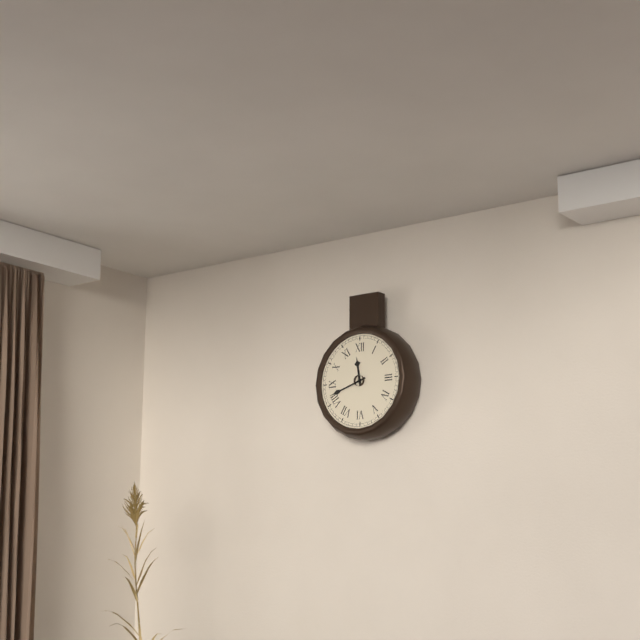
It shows 11h42
